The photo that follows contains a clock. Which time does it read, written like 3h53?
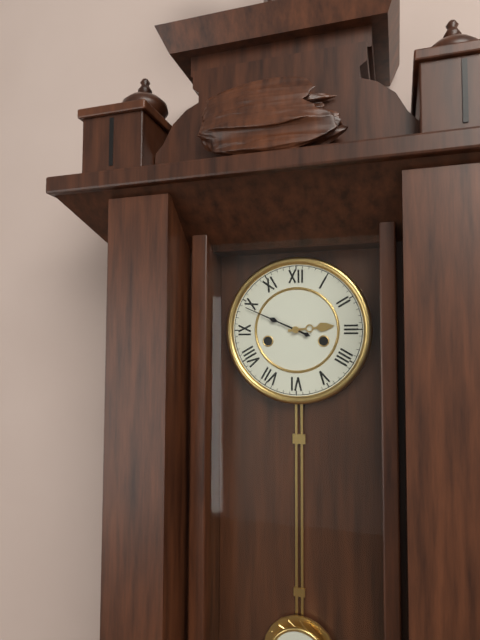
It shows 2h49
